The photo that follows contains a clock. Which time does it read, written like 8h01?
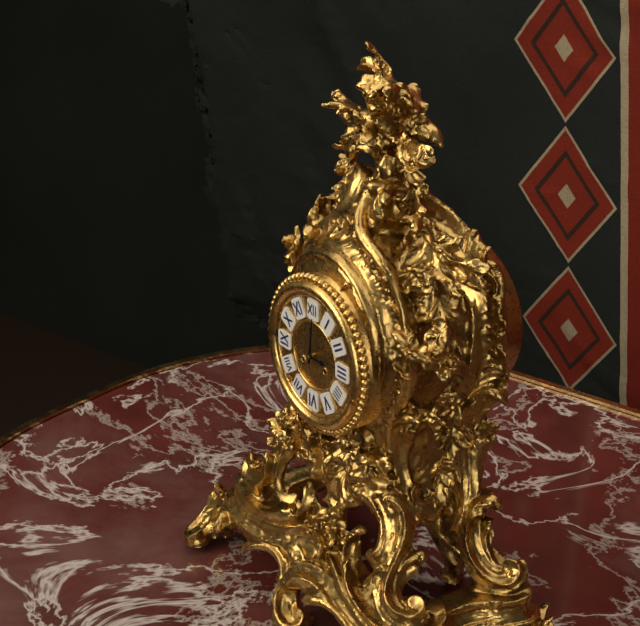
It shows 3h01
